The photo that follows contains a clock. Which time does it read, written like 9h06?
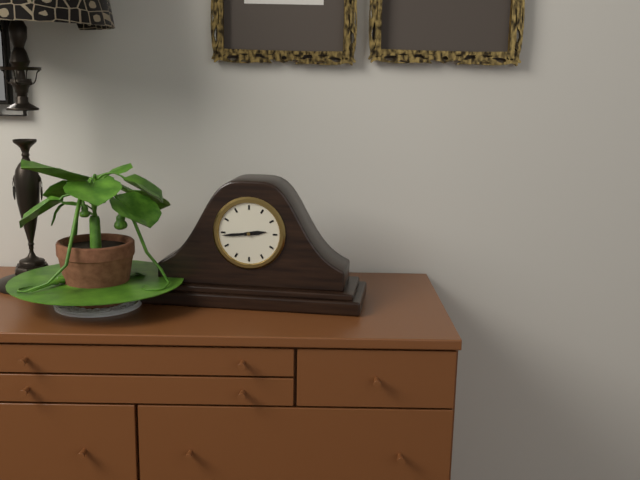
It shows 2h44
